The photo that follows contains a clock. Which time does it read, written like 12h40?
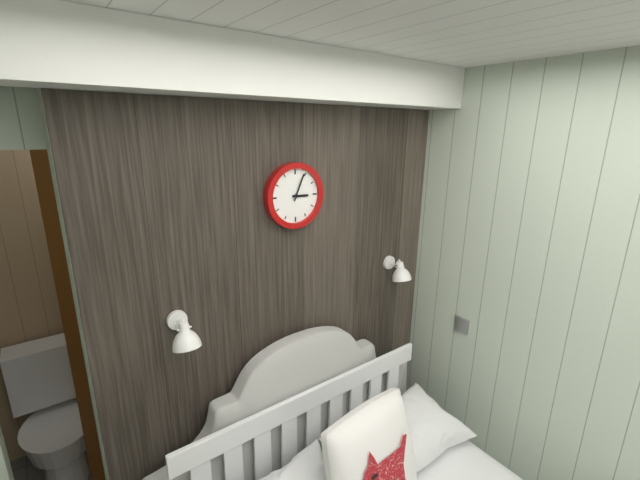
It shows 3h04
